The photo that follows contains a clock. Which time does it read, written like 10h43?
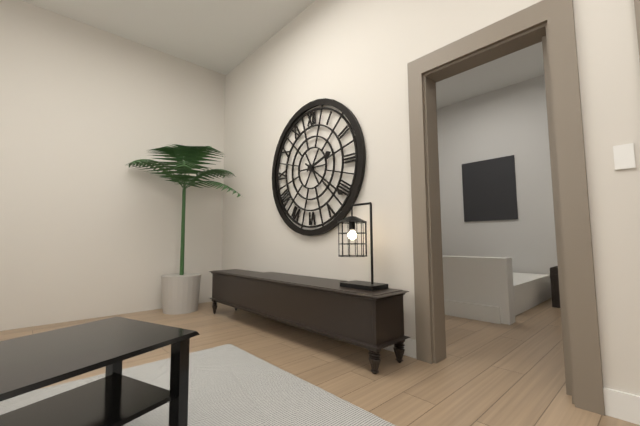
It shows 2h21
